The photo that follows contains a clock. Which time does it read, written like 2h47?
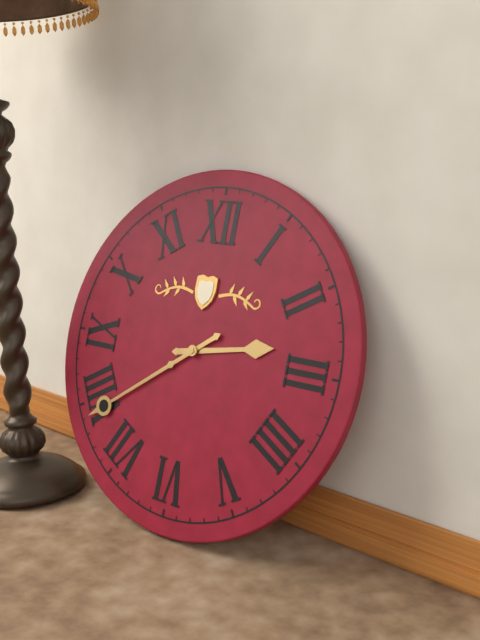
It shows 2h39
